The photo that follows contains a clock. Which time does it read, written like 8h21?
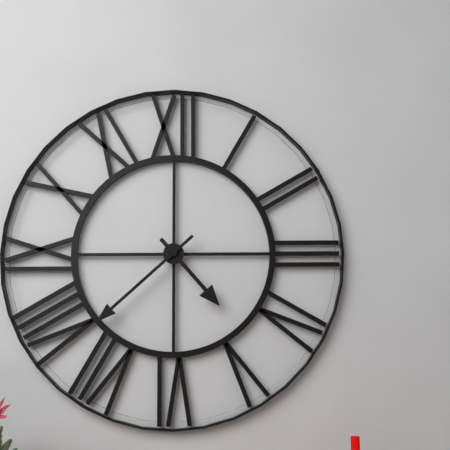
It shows 4h38
